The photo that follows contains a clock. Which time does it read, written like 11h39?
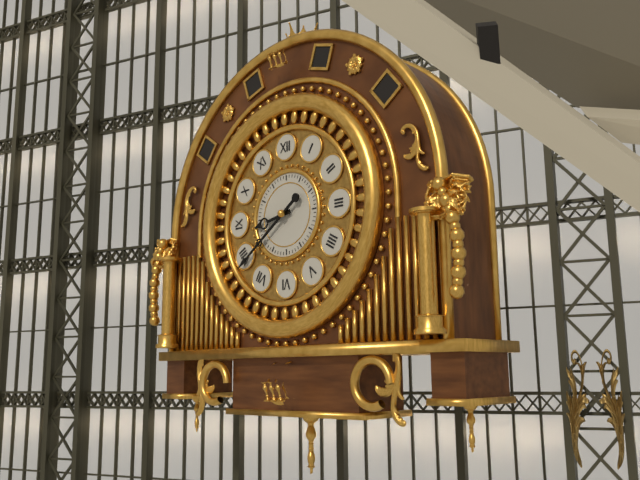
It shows 8h39
